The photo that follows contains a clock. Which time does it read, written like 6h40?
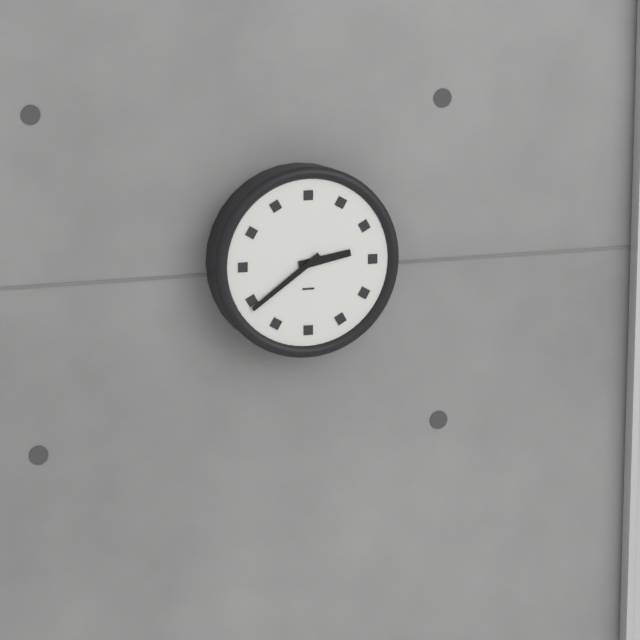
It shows 2h39
